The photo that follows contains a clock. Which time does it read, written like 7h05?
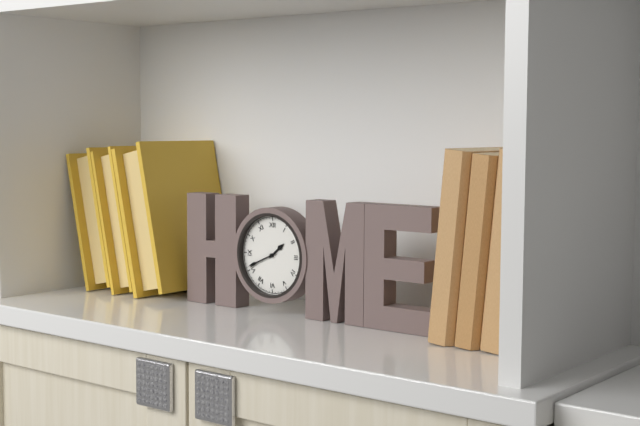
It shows 1h41
